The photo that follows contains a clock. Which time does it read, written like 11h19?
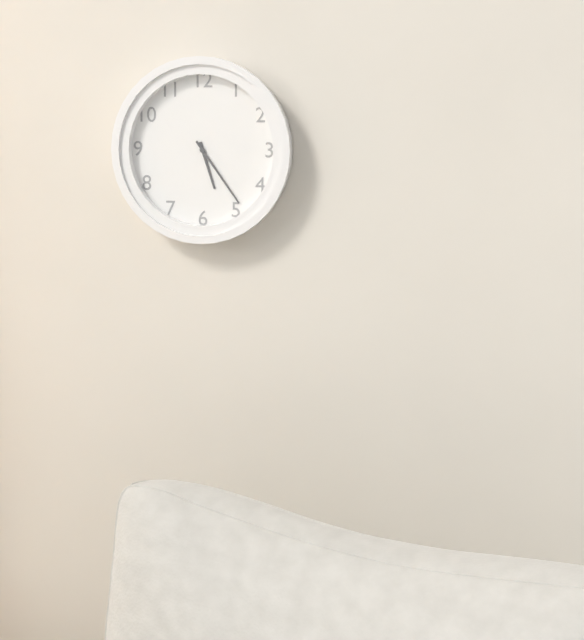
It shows 5h24
